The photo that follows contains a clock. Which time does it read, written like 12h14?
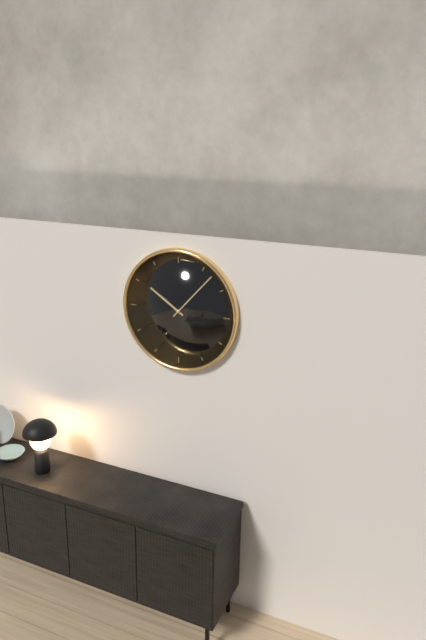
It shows 10h07
